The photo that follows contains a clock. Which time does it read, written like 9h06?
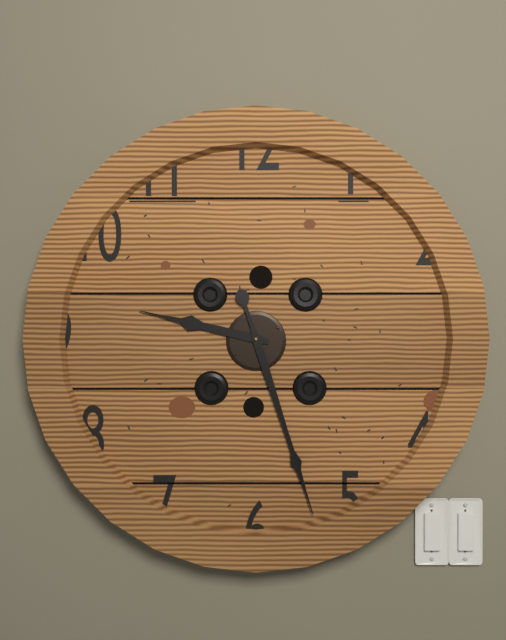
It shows 9h27
